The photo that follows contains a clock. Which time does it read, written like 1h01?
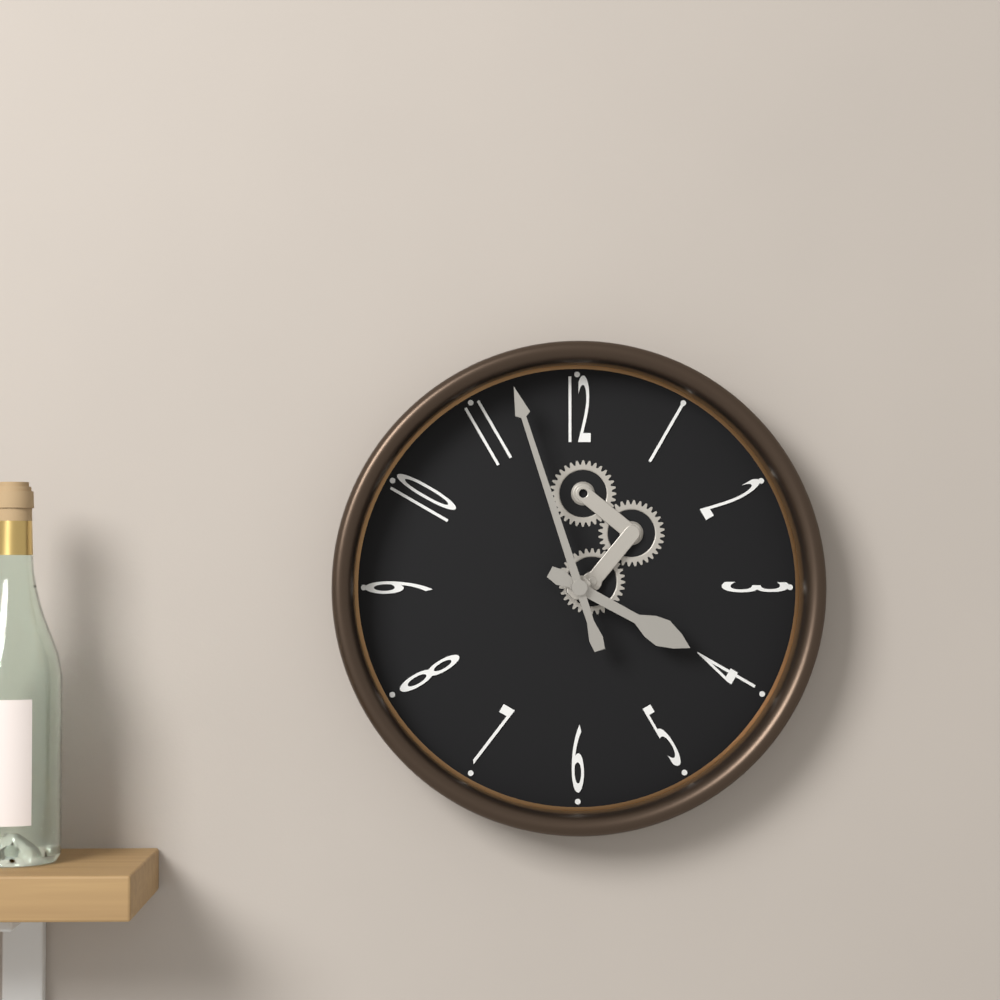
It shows 3h57
